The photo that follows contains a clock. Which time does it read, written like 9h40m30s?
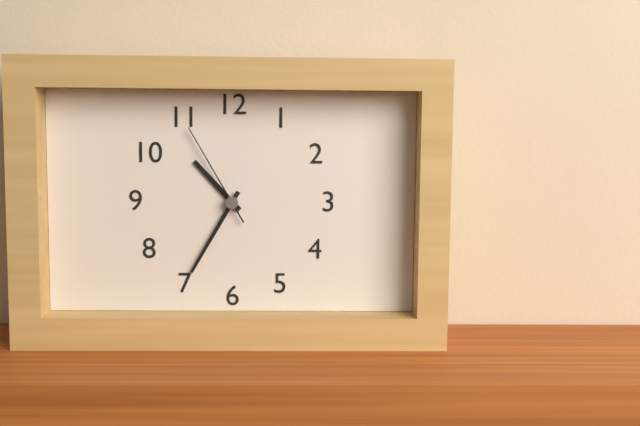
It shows 10h35m55s
